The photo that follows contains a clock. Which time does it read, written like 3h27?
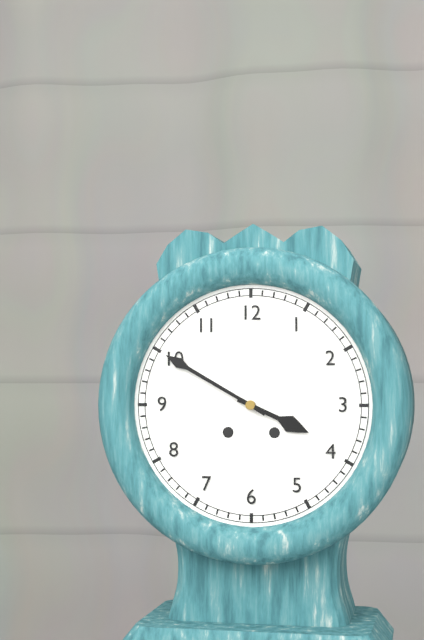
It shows 3h50
